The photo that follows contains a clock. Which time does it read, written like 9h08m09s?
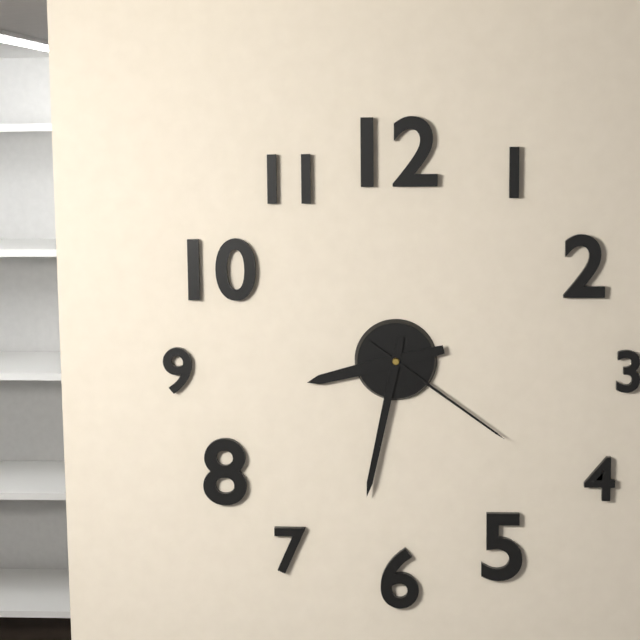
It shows 8h32m21s
